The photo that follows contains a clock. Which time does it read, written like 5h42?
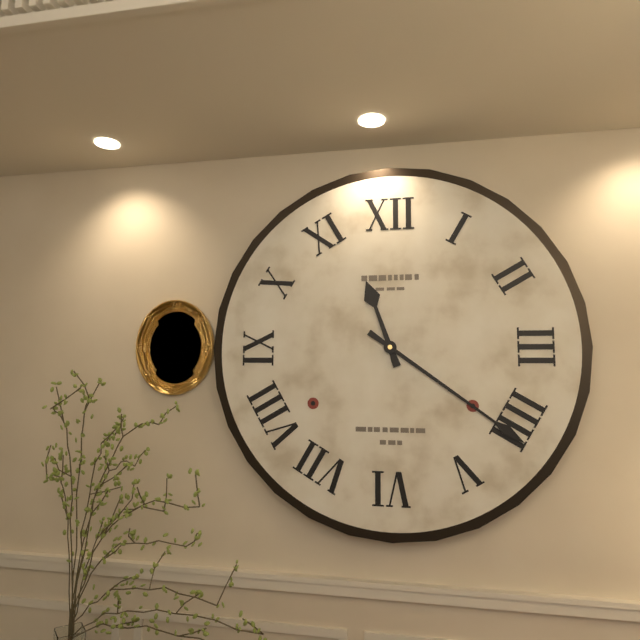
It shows 11h21
